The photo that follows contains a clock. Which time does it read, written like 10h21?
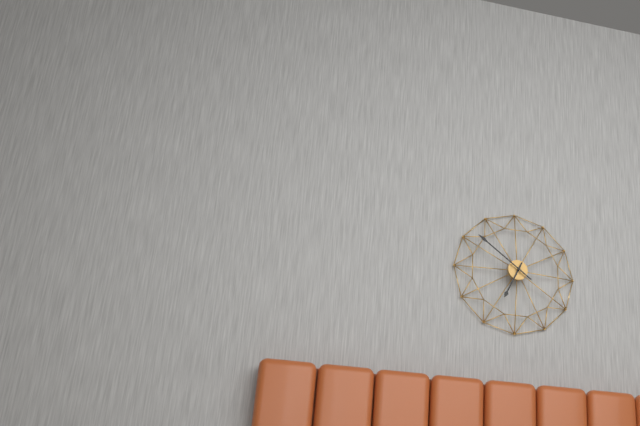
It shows 6h51
